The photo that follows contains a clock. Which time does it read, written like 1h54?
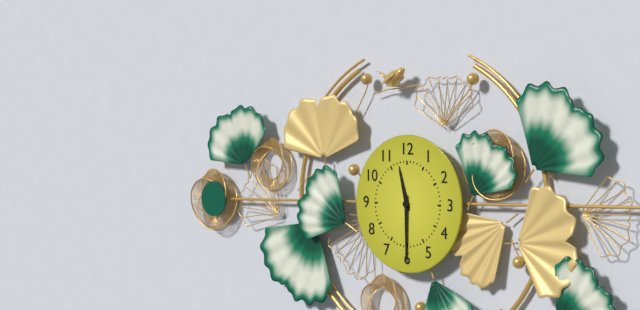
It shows 11h30
